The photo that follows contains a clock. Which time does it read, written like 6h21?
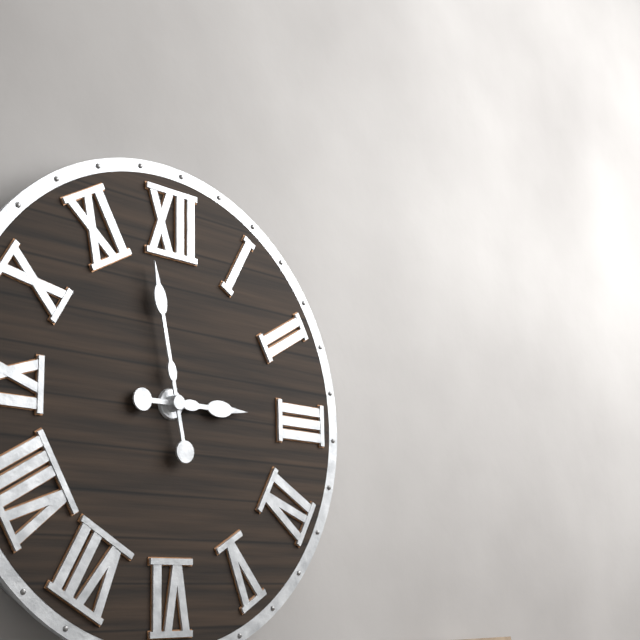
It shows 2h58
